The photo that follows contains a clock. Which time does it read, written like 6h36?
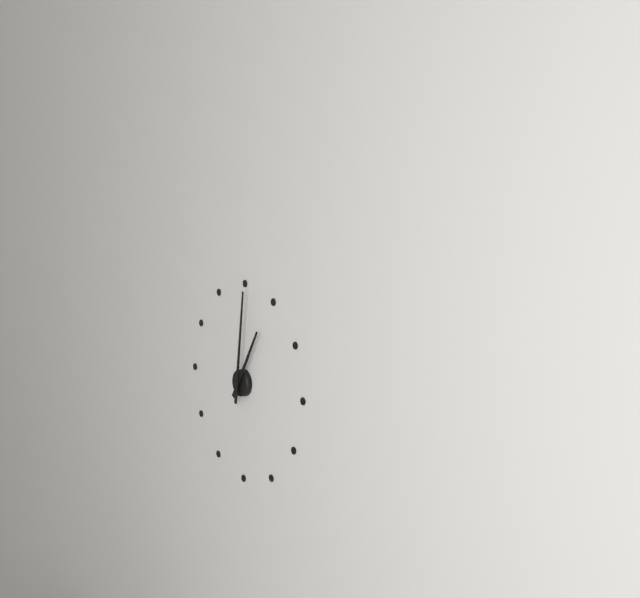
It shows 1h01
